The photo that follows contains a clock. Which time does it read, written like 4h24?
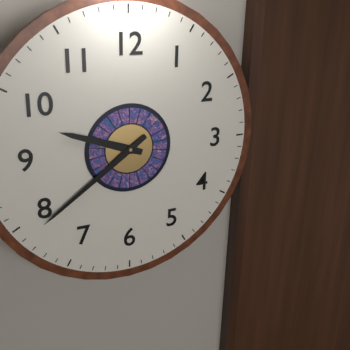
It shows 9h39
